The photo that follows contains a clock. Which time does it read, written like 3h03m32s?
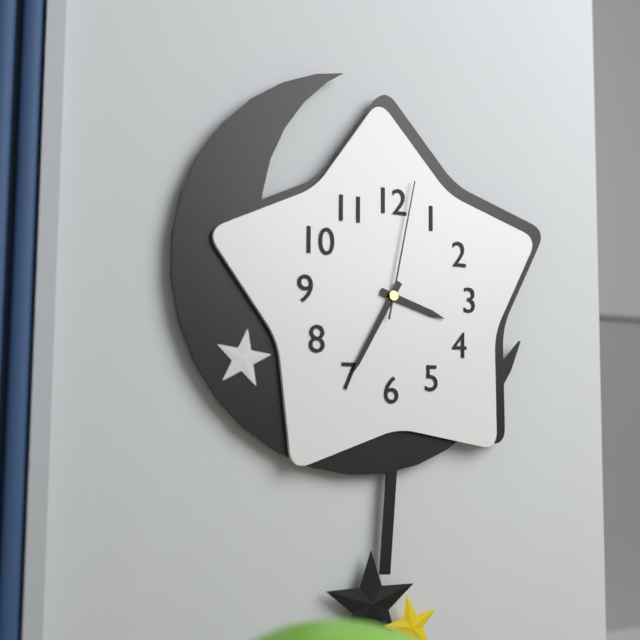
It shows 3h35m02s
